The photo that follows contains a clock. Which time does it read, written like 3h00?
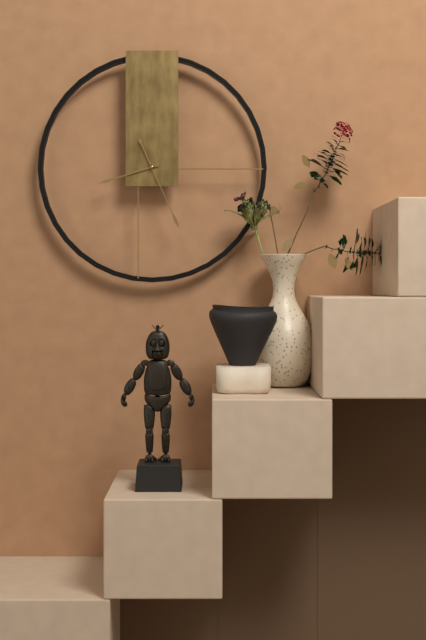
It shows 8h26
